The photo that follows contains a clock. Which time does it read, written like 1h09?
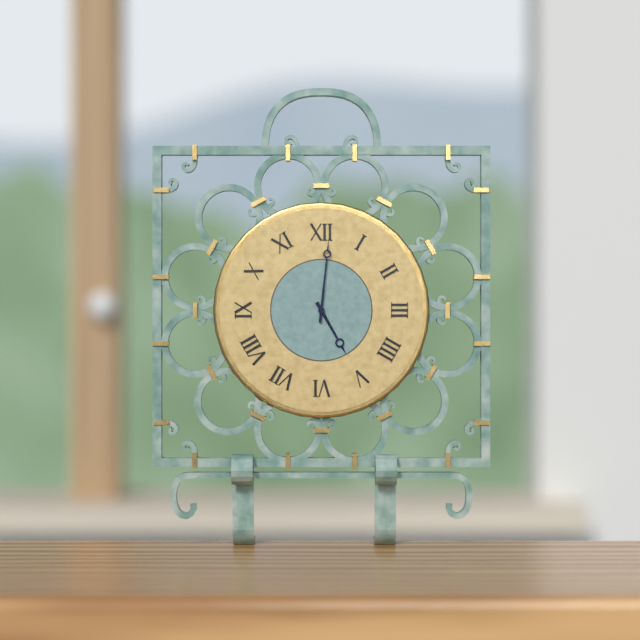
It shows 5h01
